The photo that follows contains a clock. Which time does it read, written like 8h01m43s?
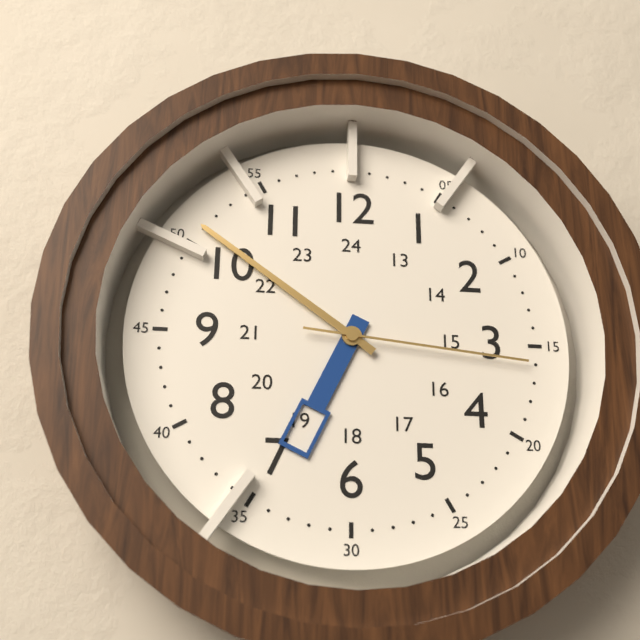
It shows 6h51m16s
